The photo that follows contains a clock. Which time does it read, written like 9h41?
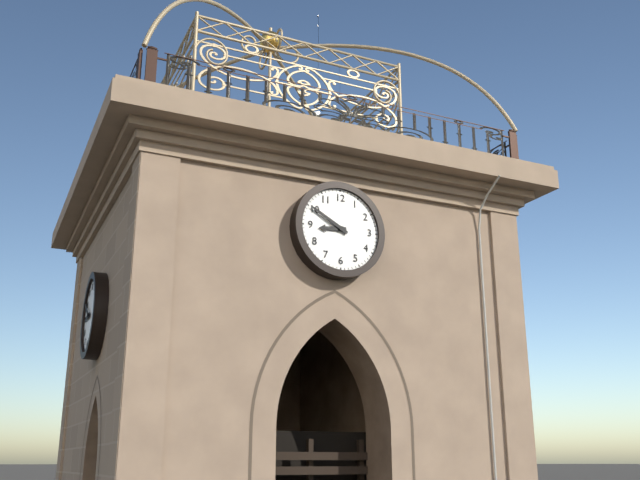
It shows 8h50
